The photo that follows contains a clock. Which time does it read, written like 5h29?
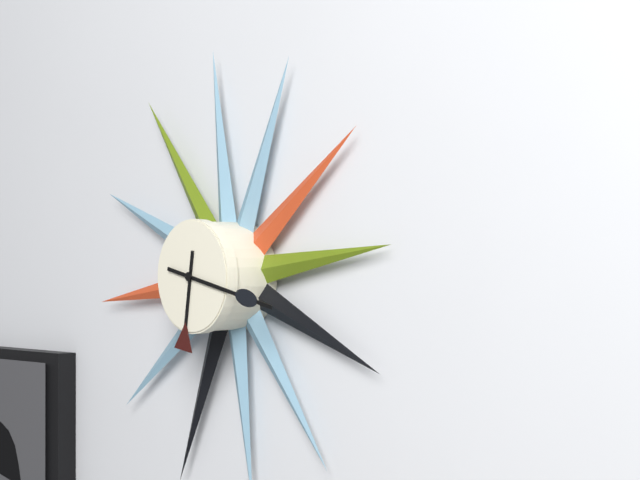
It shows 6h17
